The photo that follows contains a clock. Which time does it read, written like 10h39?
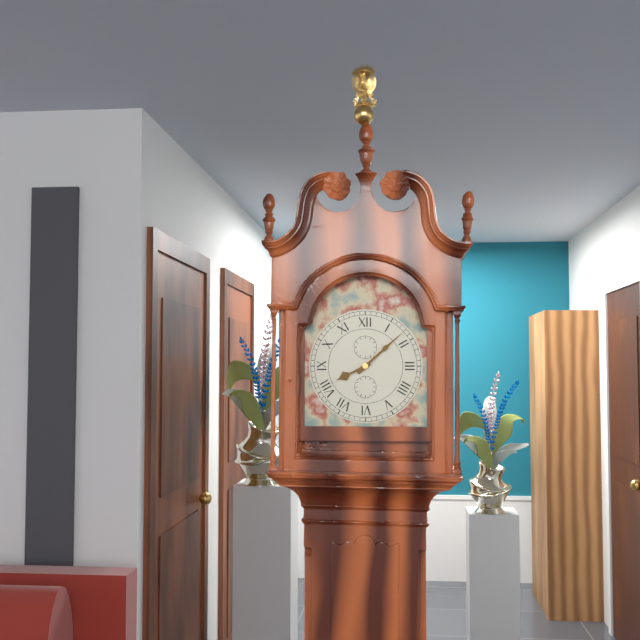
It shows 8h08
